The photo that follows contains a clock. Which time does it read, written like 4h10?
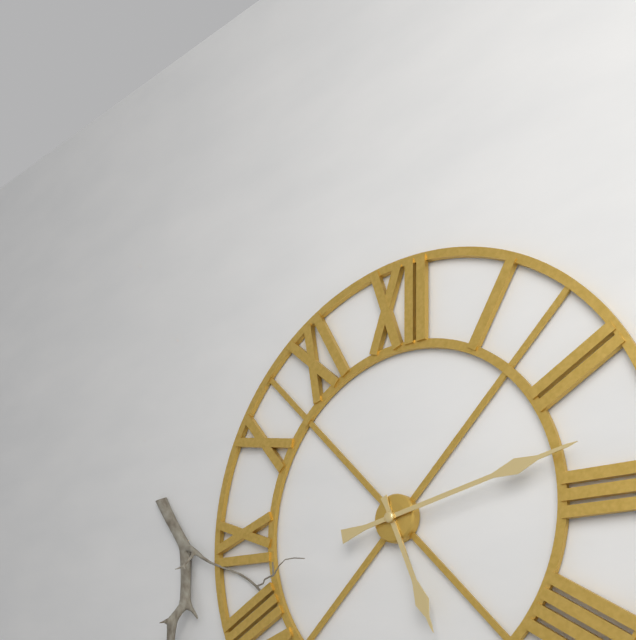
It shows 5h13
